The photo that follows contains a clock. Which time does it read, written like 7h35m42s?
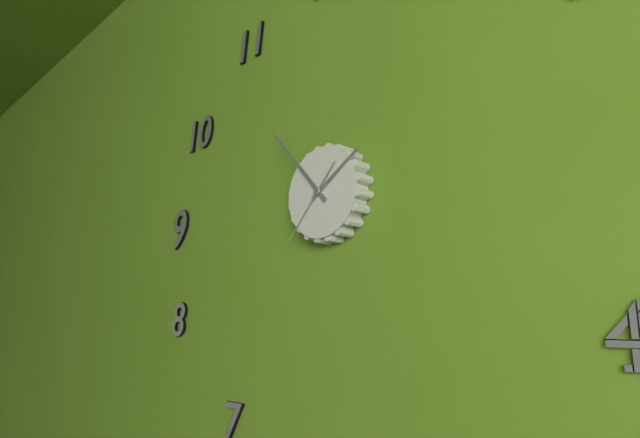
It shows 1h53m37s
